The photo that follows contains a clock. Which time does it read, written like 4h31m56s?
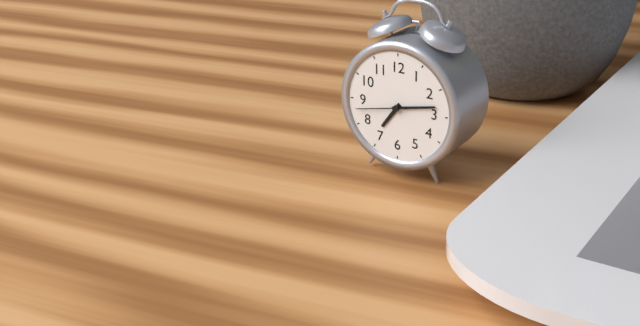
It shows 7h13m43s
